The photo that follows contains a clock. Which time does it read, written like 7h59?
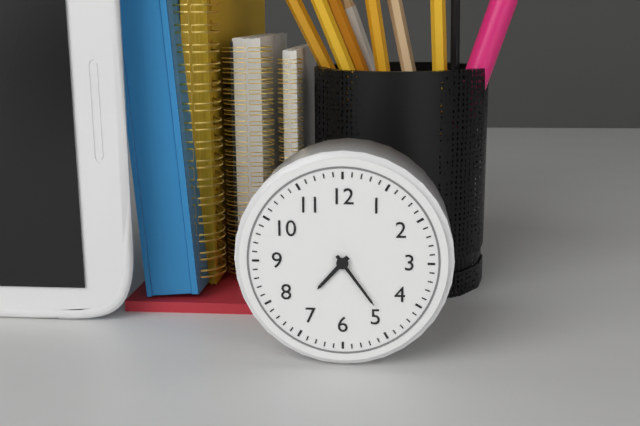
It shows 7h24
